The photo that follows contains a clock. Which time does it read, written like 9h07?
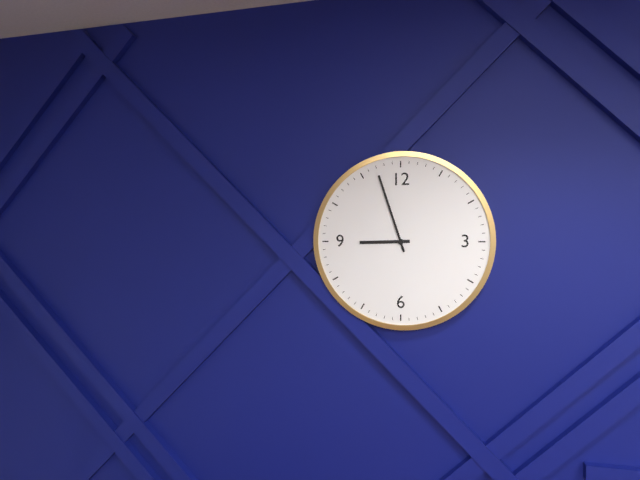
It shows 8h57
